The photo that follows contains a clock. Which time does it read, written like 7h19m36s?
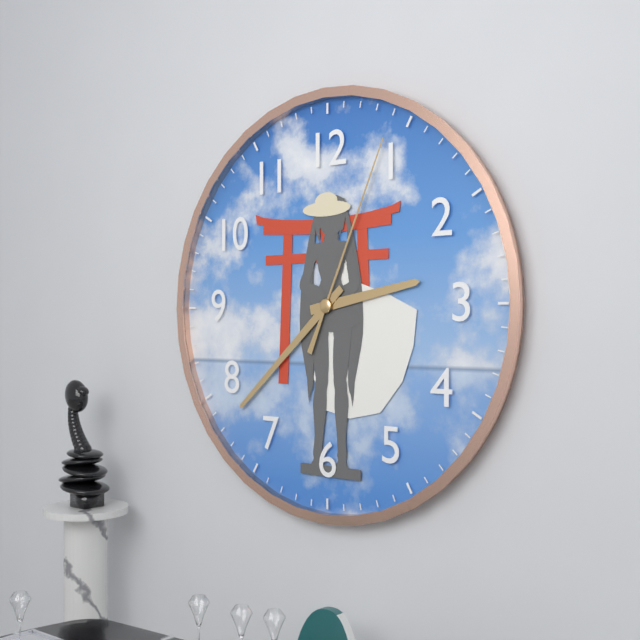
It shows 2h38m04s
